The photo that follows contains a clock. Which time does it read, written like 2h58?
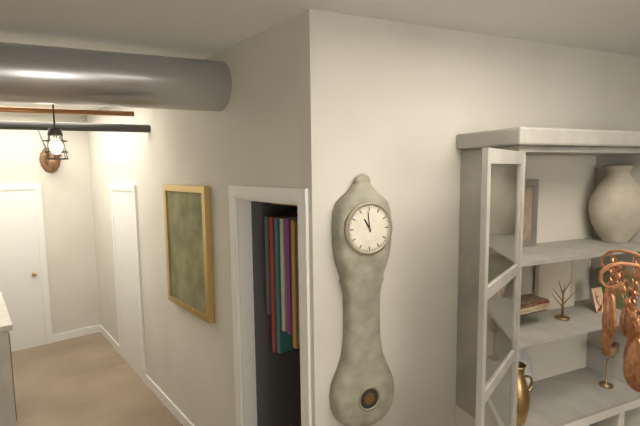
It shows 10h59
